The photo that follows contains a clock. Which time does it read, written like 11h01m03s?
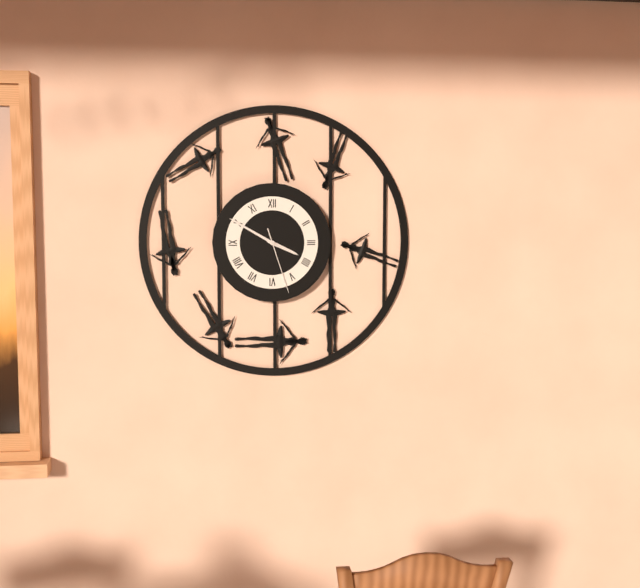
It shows 3h50m27s
